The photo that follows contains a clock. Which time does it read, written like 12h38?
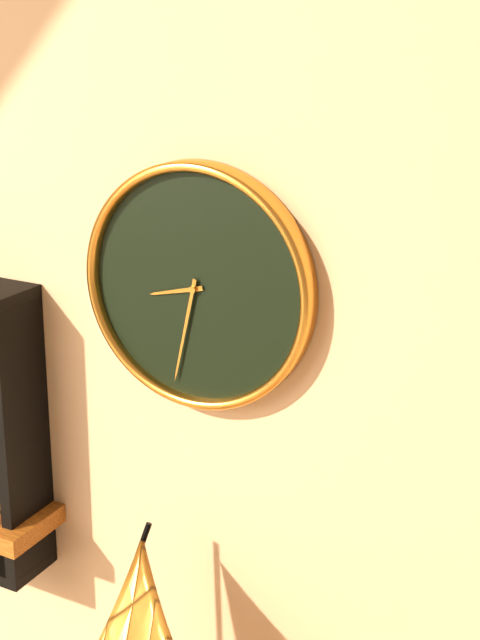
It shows 8h32
